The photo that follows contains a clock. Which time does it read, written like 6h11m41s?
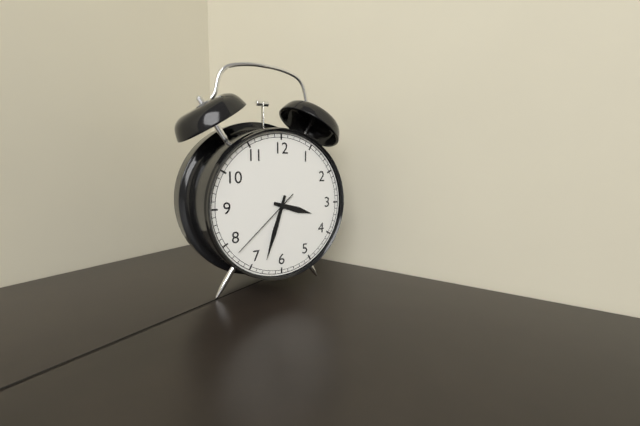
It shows 3h33m38s
